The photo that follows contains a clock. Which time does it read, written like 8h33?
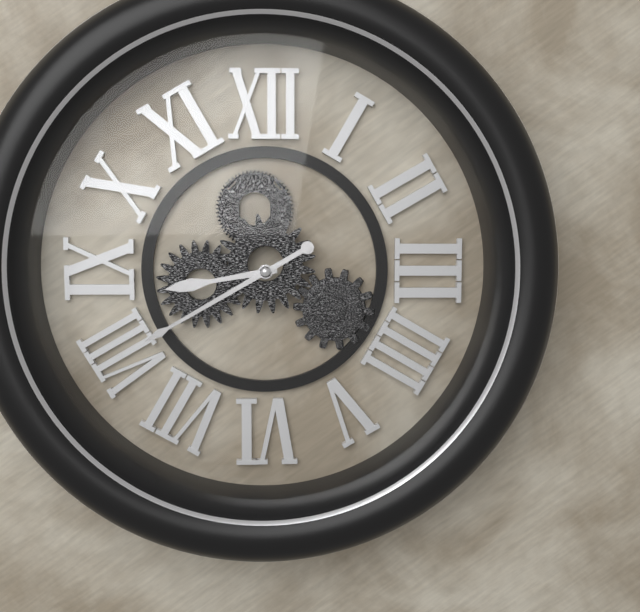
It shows 8h40
